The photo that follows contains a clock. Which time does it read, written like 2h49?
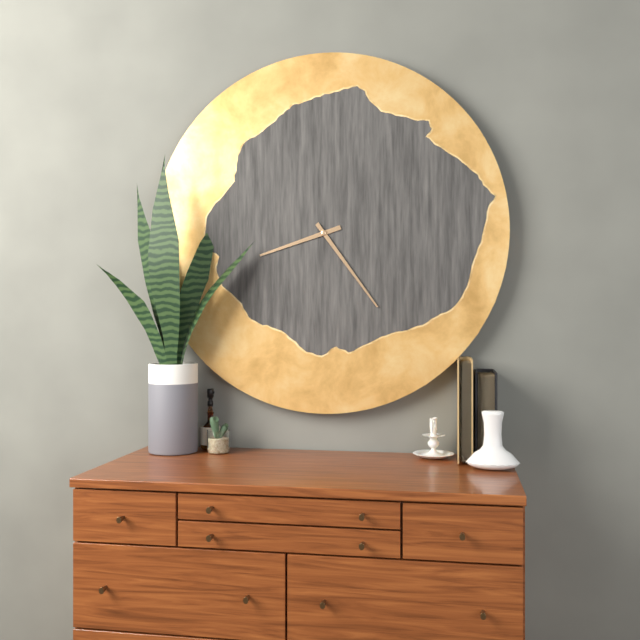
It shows 8h24
